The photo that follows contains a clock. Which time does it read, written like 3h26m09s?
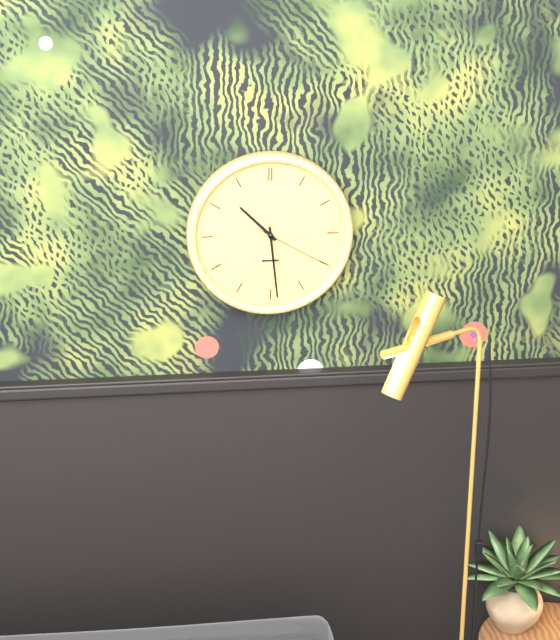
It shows 10h29m20s
